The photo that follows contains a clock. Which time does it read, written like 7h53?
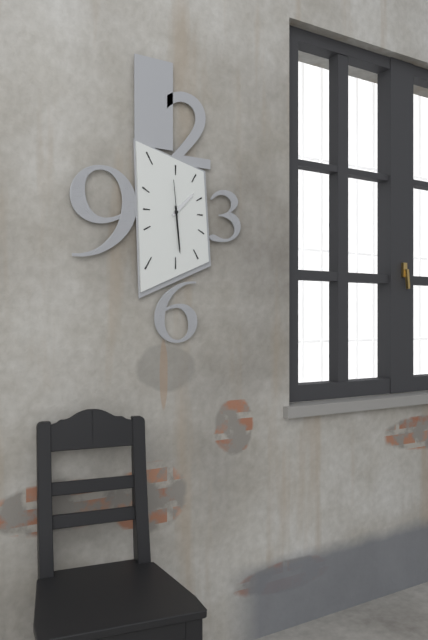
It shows 1h29
